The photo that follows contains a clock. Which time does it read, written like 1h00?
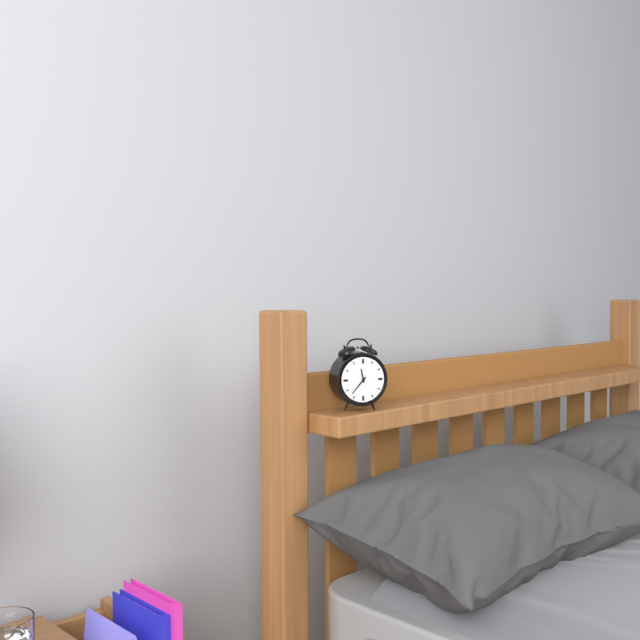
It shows 11h37
